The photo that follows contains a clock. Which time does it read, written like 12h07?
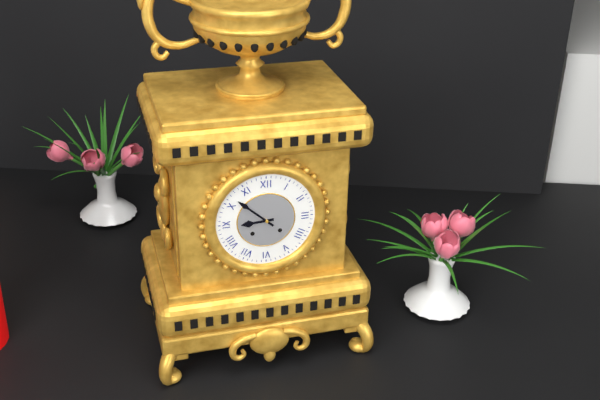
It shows 8h52
